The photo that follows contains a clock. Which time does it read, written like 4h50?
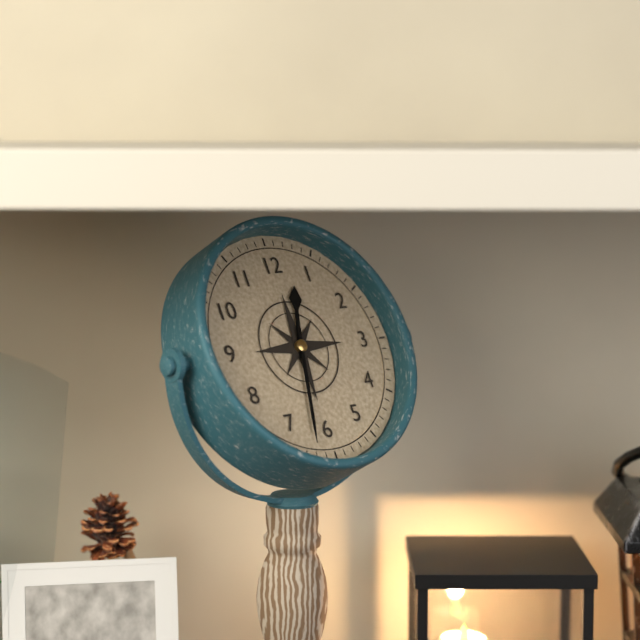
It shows 12h32
